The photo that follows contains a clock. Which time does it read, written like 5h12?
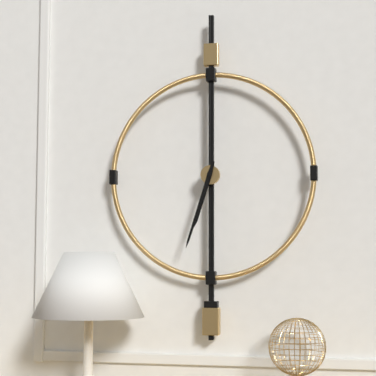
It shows 6h33
